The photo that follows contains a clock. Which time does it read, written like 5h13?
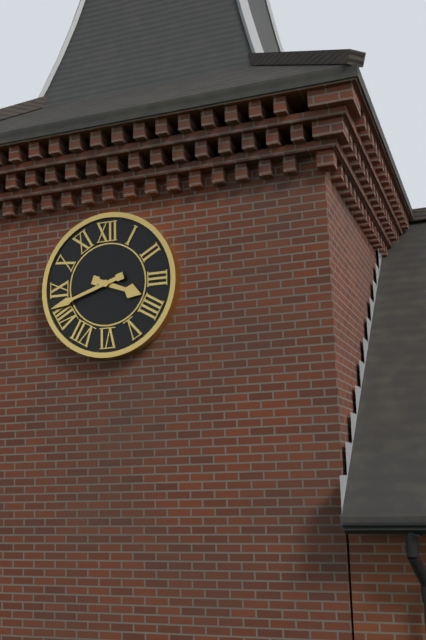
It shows 3h42
